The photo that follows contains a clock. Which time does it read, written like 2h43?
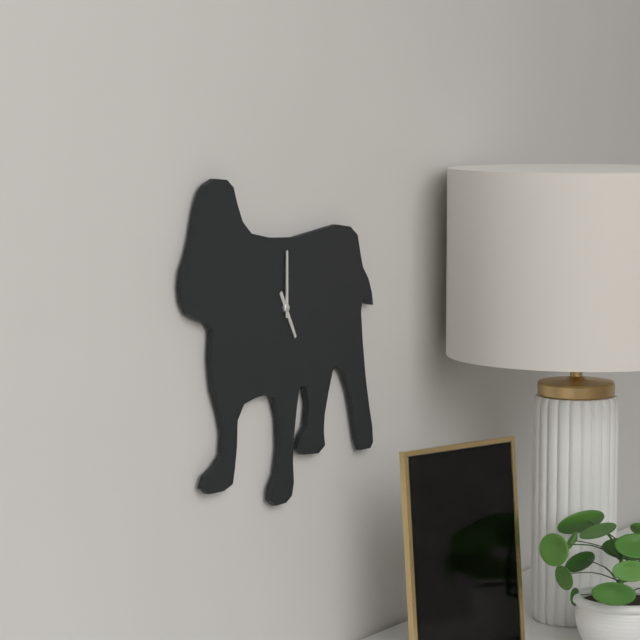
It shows 5h00
